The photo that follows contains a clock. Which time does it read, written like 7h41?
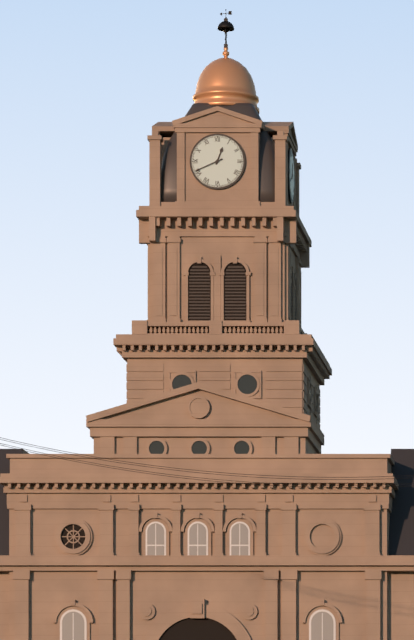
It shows 12h41
